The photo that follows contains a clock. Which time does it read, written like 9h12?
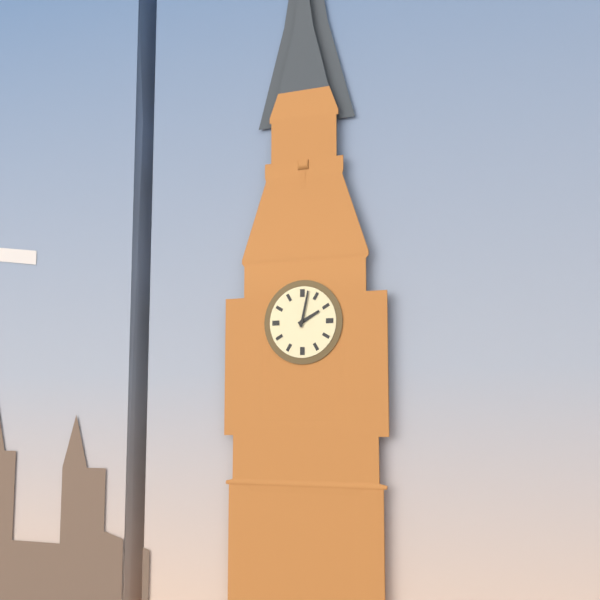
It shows 2h02
